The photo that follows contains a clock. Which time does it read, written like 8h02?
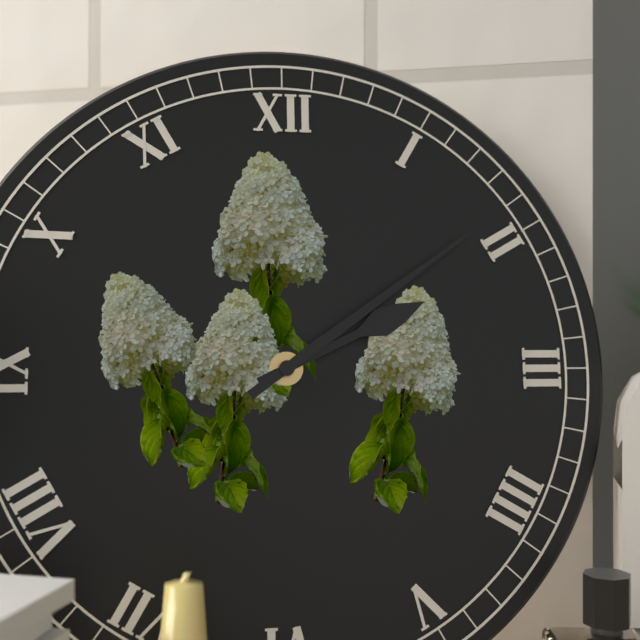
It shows 2h09
